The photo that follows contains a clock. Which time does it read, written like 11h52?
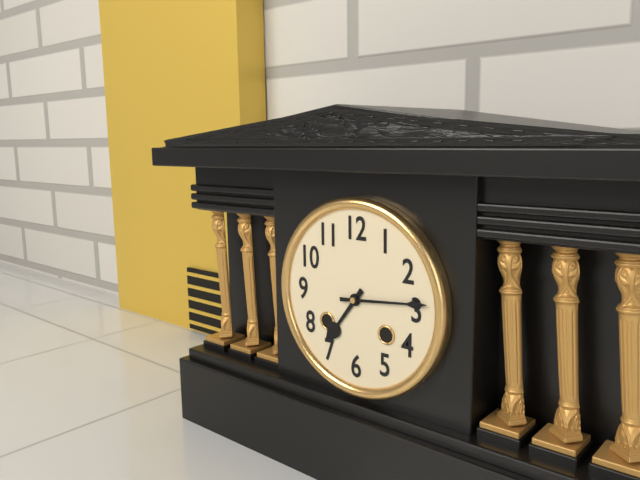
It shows 7h14
